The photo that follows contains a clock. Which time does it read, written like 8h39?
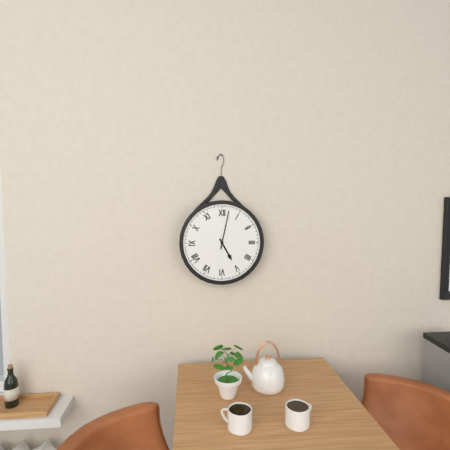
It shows 5h02
